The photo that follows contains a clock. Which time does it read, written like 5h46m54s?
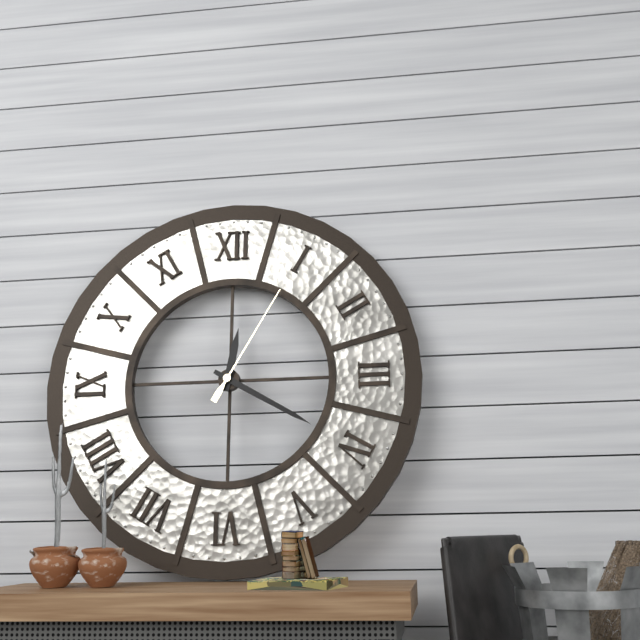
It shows 12h20m05s
